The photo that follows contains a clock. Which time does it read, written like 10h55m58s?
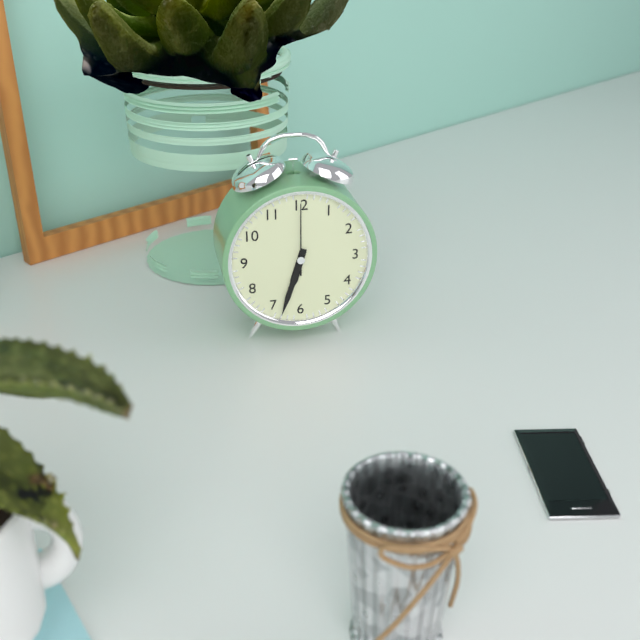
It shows 6h33m00s
